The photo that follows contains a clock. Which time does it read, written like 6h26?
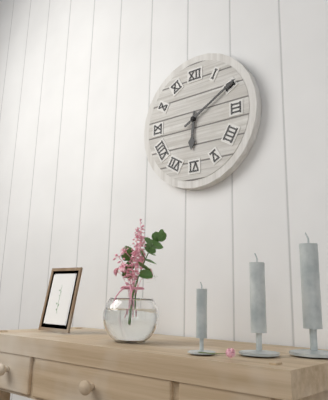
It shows 6h10
